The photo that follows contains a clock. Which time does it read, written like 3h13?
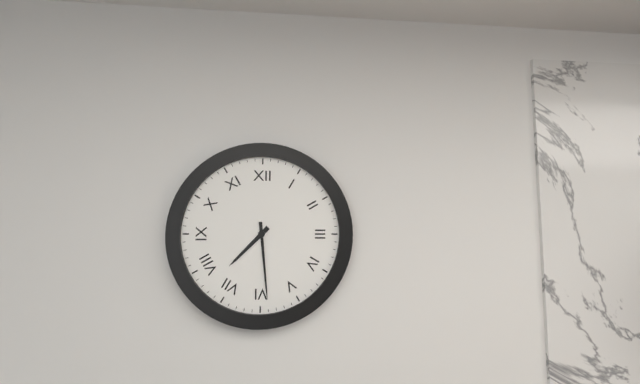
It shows 7h29
